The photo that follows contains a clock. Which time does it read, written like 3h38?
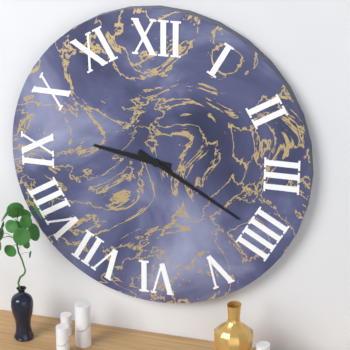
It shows 9h20
